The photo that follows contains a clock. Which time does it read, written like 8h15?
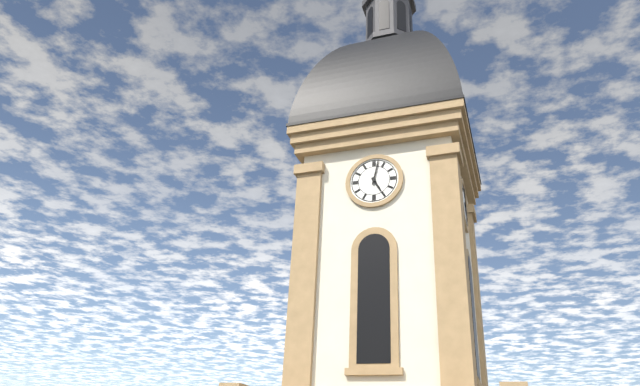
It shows 5h02
